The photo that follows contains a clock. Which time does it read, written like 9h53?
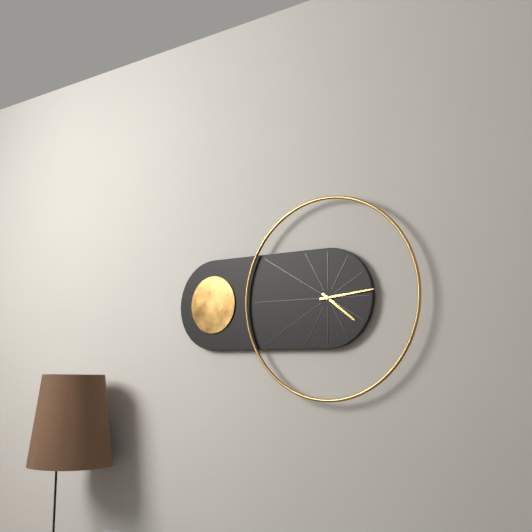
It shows 4h14
